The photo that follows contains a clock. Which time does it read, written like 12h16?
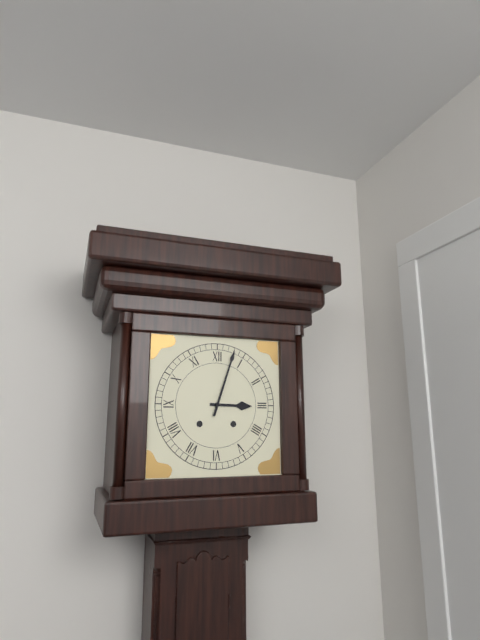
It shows 3h03
